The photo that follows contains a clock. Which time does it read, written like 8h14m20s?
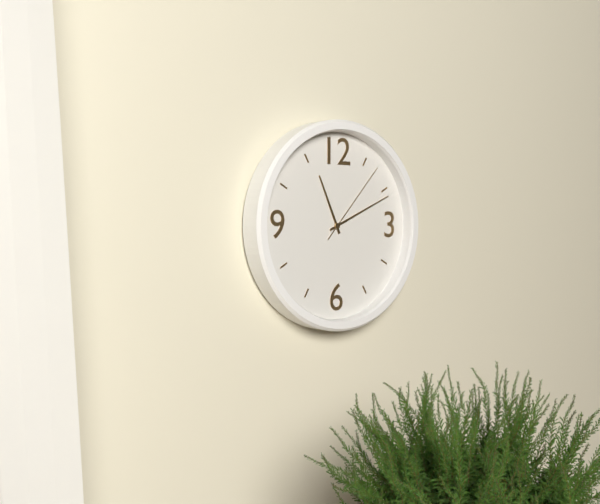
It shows 11h11m07s
